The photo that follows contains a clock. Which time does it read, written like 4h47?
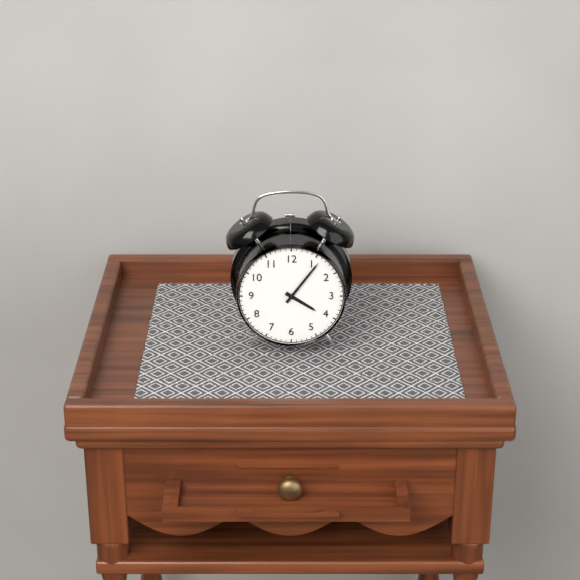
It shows 4h06
